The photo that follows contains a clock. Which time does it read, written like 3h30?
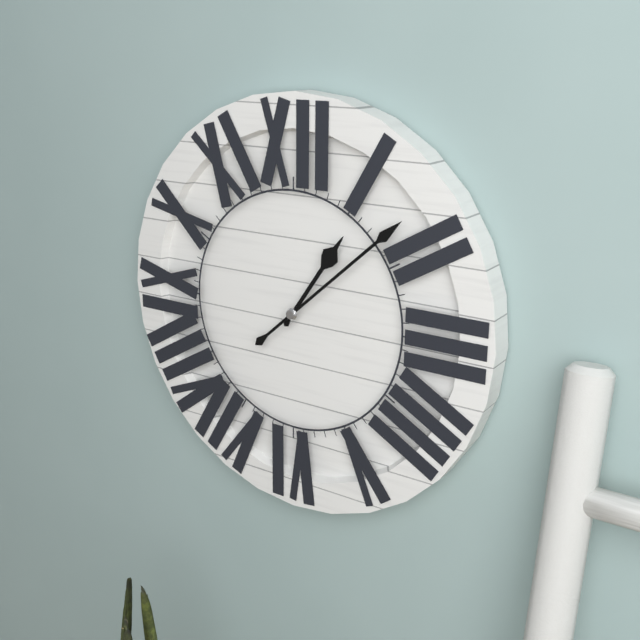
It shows 1h08
